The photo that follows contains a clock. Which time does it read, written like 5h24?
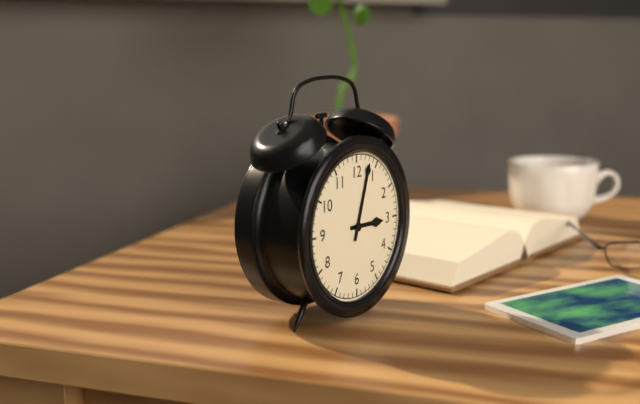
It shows 3h03
